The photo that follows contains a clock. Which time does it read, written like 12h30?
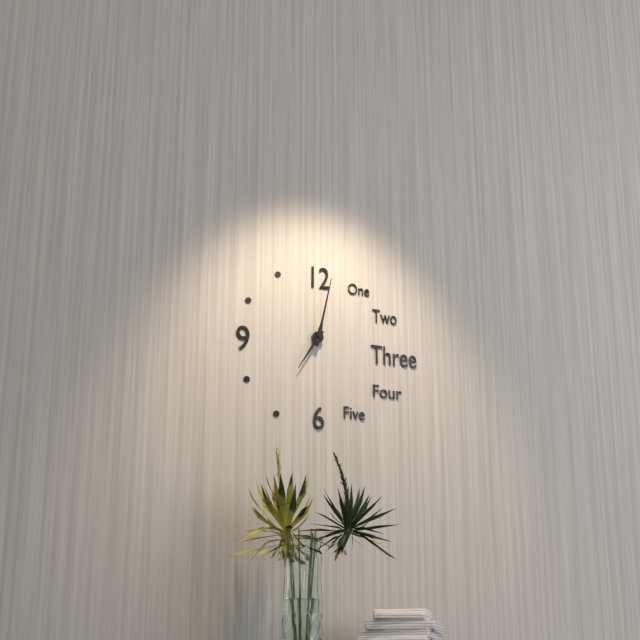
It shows 7h02
